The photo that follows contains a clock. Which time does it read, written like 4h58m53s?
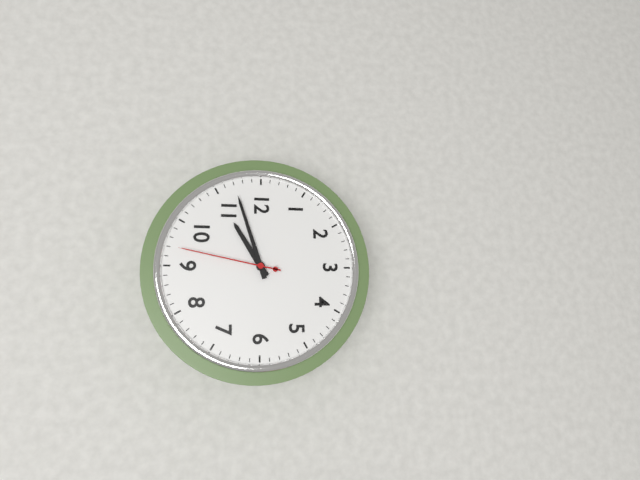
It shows 10h57m47s
